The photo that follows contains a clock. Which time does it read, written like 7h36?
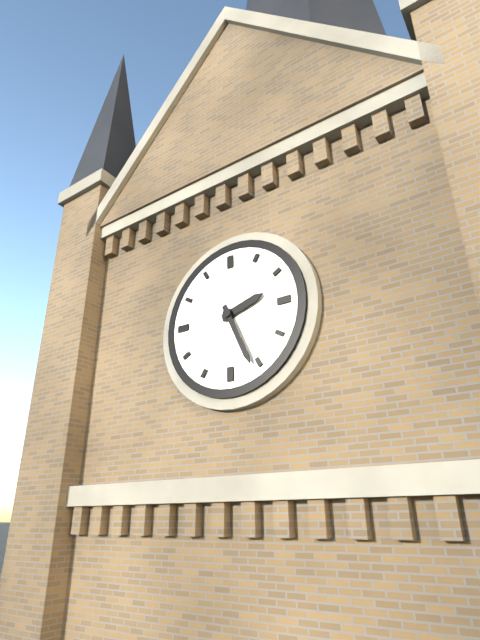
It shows 2h26
